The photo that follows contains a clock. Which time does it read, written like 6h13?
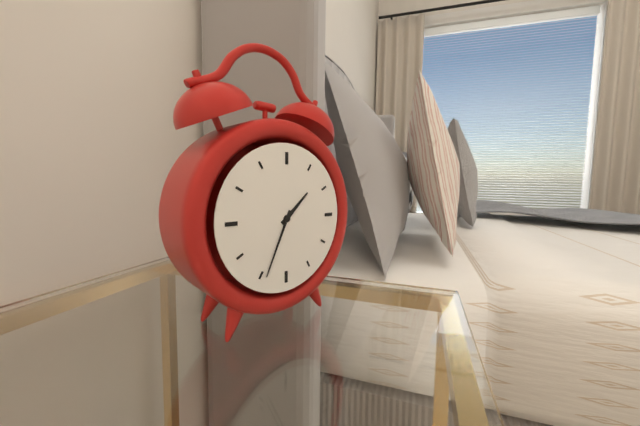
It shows 1h34
